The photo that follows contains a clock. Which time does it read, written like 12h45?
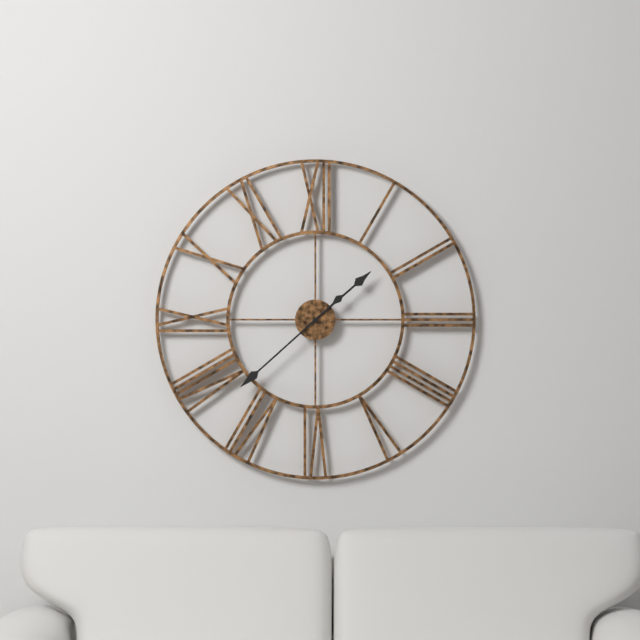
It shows 1h38
